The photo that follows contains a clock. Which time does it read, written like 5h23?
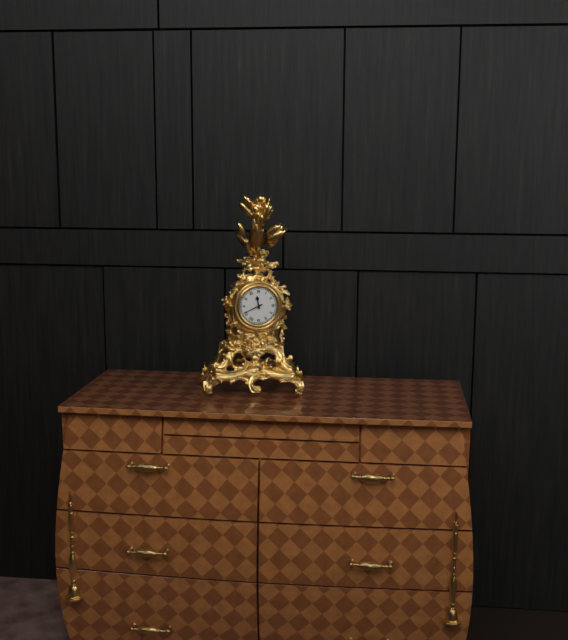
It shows 11h41
